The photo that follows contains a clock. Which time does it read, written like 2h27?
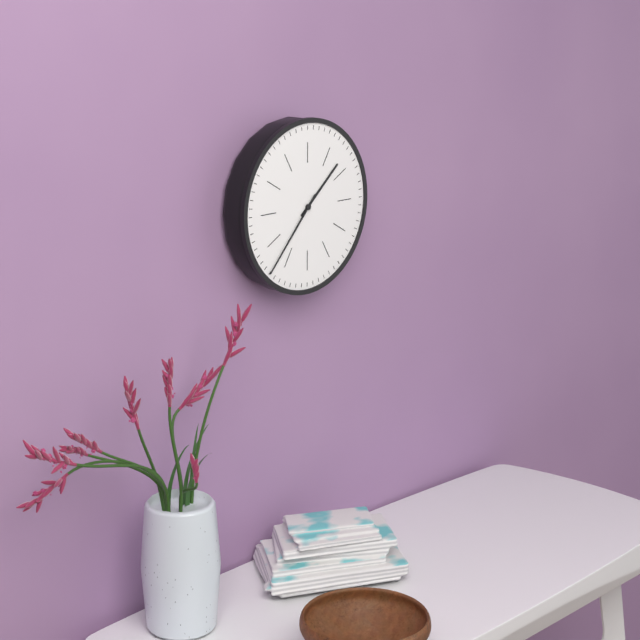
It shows 1h37
